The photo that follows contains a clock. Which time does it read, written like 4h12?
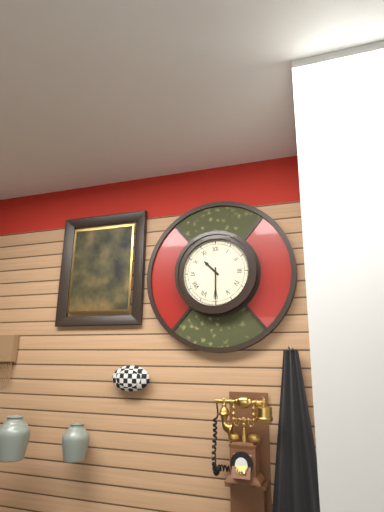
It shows 10h30
